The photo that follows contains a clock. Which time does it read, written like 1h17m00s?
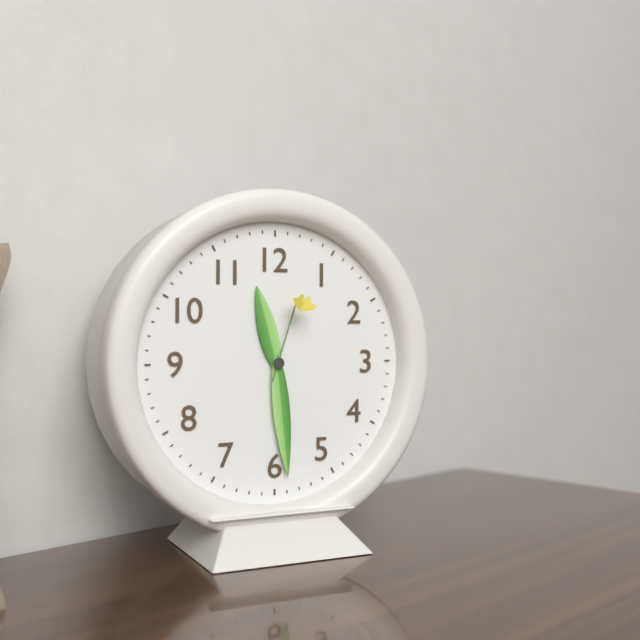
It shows 11h29m03s
